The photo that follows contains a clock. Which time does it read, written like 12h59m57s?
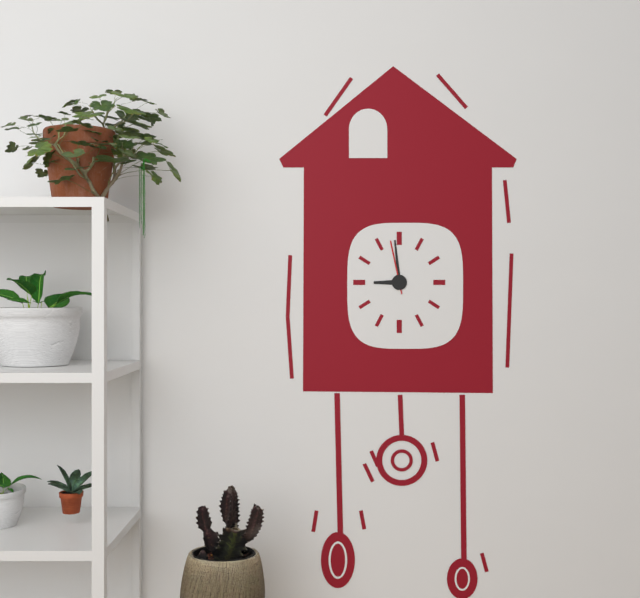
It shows 8h59m58s
